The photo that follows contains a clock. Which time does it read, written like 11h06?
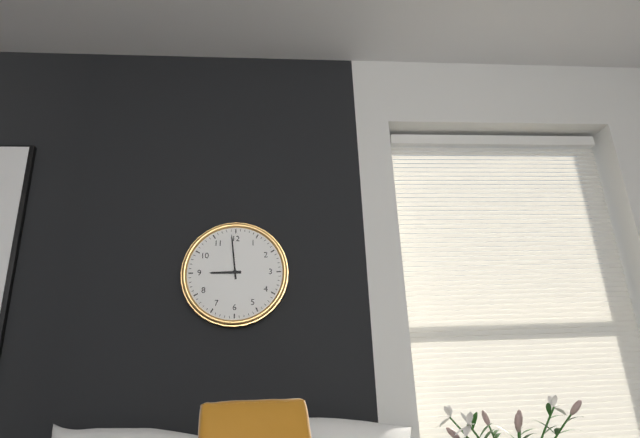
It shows 8h59
